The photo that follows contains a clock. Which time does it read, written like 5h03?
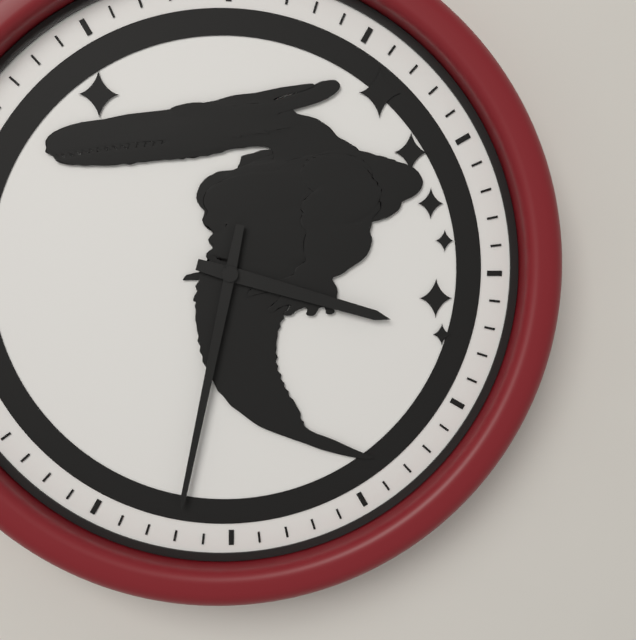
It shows 3h32
